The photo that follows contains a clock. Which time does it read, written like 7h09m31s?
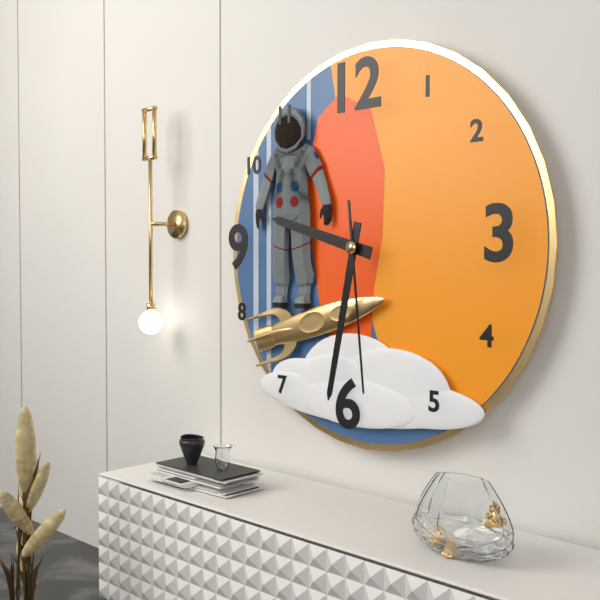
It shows 9h32m29s
